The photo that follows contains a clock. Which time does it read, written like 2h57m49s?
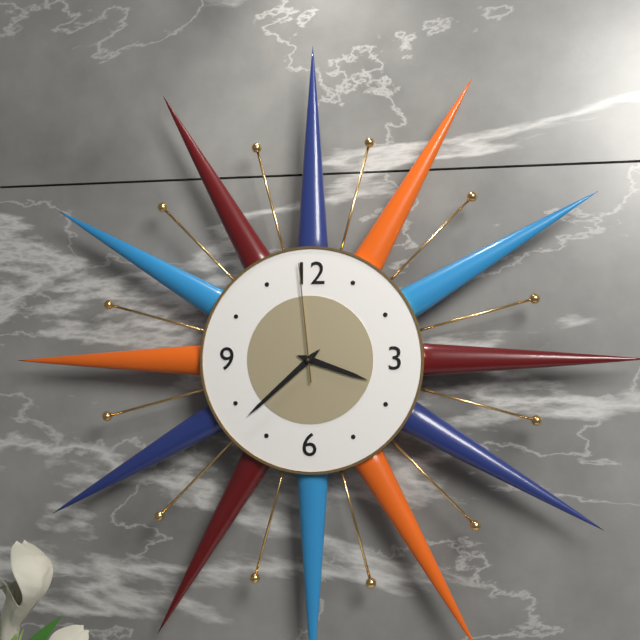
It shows 3h38m59s
